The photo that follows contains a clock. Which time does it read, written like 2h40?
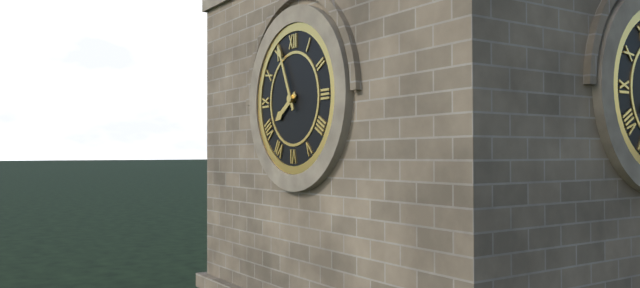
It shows 7h56
